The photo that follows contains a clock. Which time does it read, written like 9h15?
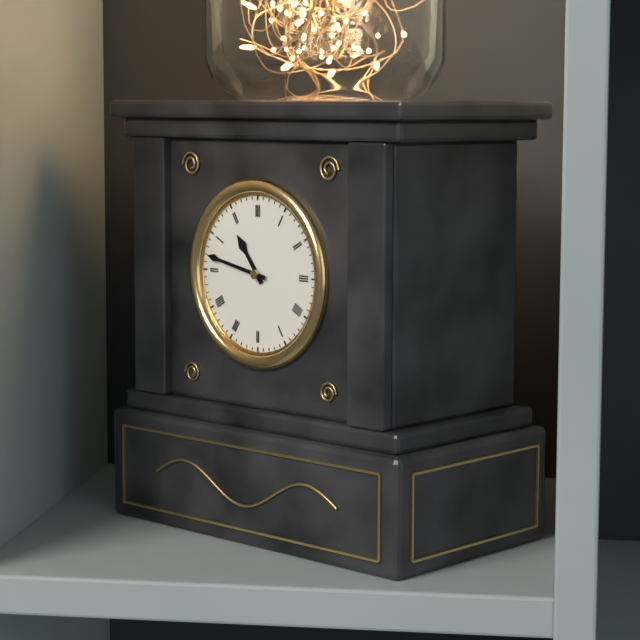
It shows 10h47
